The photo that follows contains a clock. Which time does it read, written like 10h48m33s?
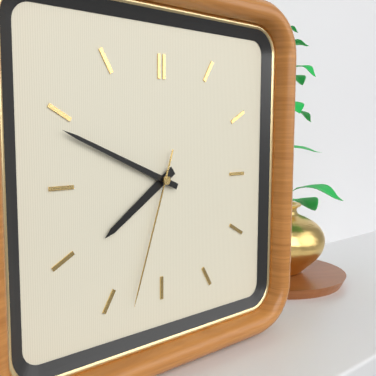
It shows 7h49m33s
